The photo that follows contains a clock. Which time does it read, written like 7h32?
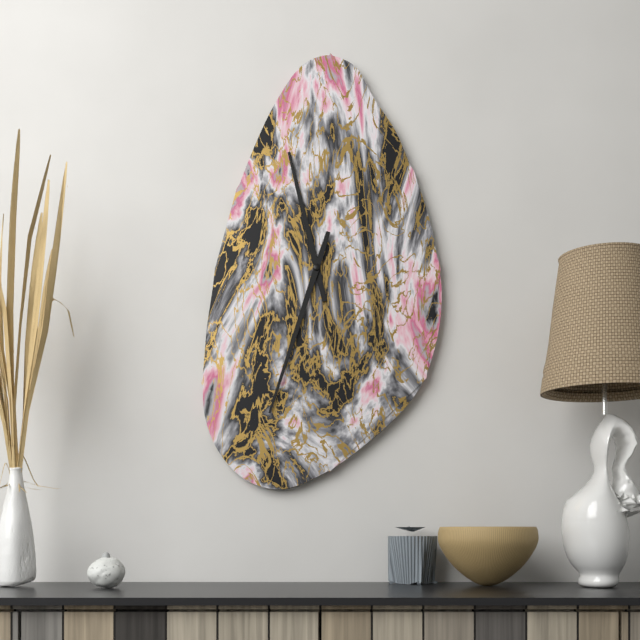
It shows 11h33
